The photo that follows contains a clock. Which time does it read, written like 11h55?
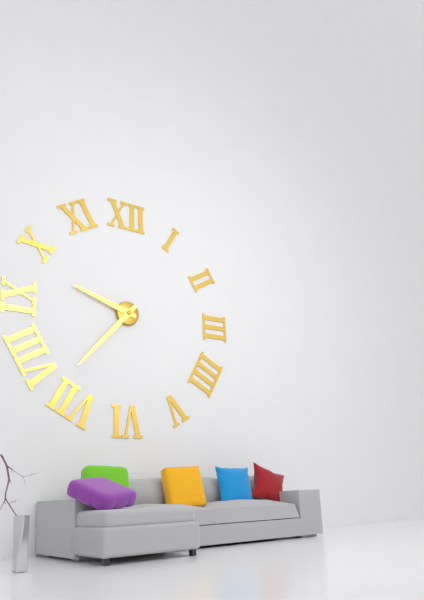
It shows 9h37
